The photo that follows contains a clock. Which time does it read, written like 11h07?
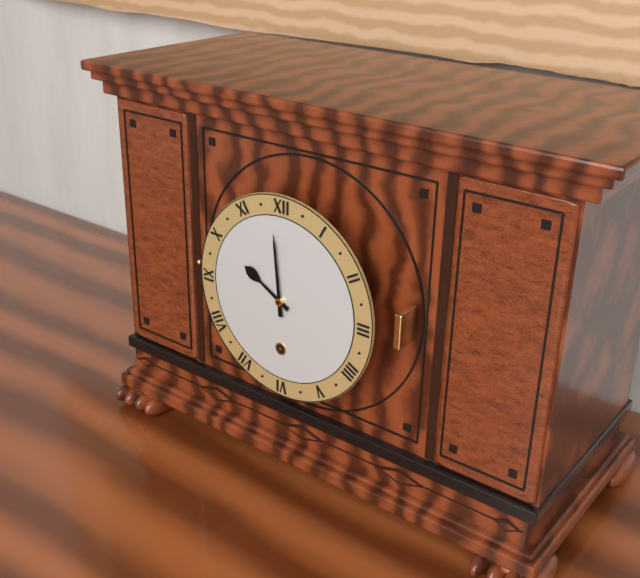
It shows 9h59
